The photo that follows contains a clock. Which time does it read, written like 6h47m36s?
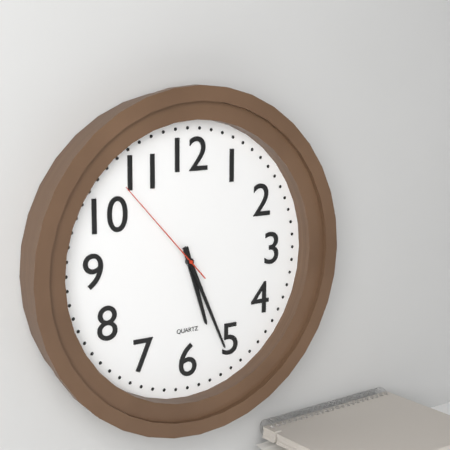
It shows 5h26m53s
